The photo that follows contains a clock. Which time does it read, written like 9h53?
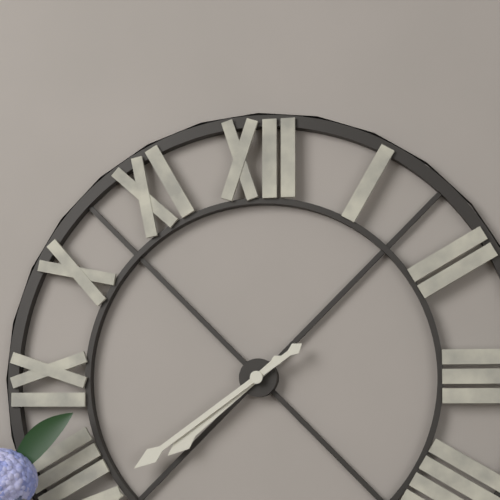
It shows 7h39
